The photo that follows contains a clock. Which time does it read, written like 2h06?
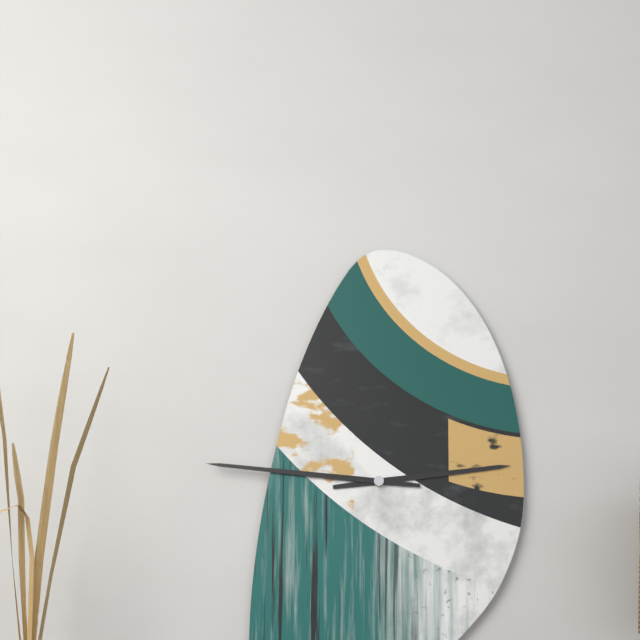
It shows 2h46
